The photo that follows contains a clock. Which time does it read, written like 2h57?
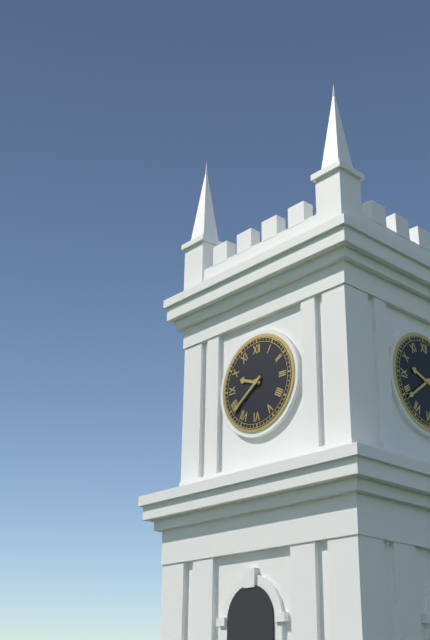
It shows 9h39
